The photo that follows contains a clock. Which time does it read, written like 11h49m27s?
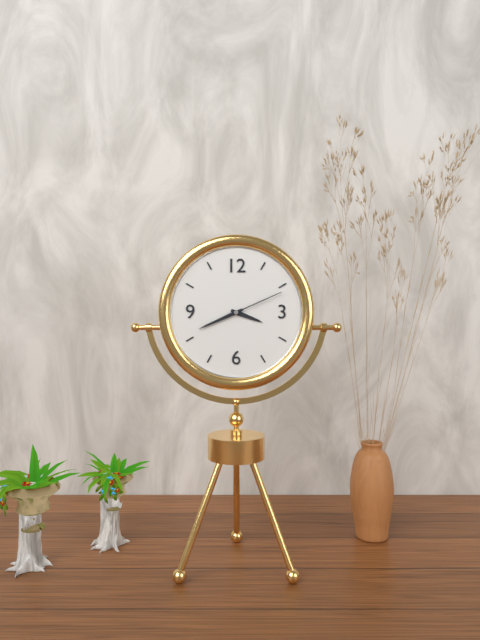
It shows 3h41m11s
